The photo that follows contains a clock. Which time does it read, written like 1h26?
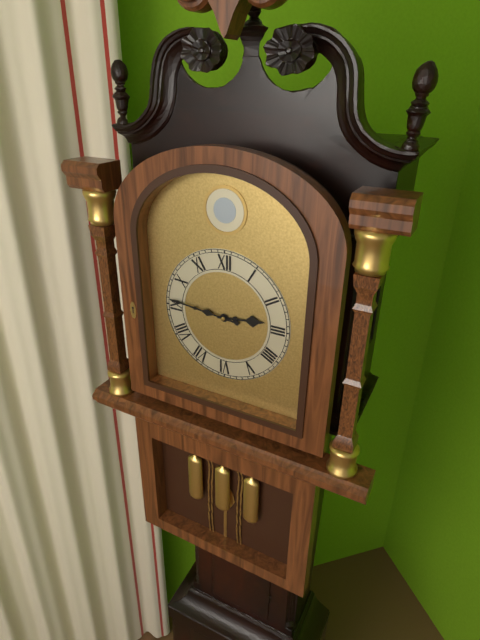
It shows 2h46
